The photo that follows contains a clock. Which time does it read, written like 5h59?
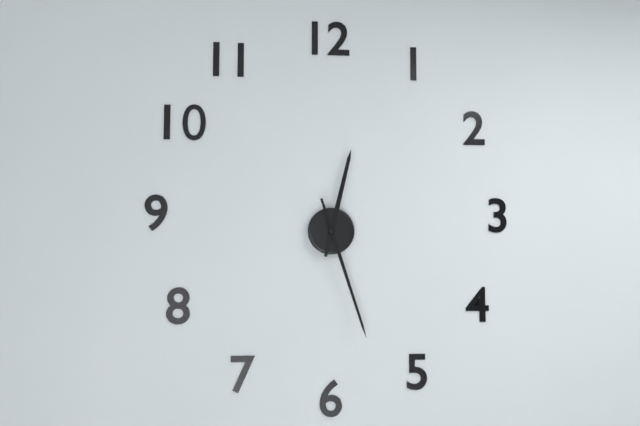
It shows 12h27
